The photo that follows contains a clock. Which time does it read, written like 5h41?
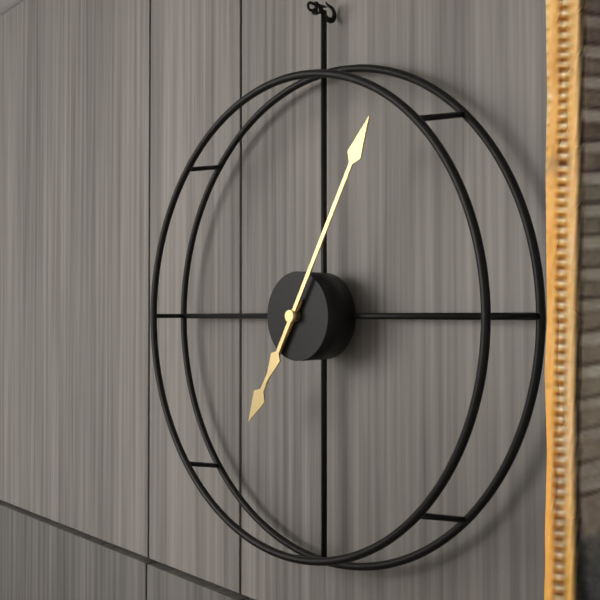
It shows 7h05
